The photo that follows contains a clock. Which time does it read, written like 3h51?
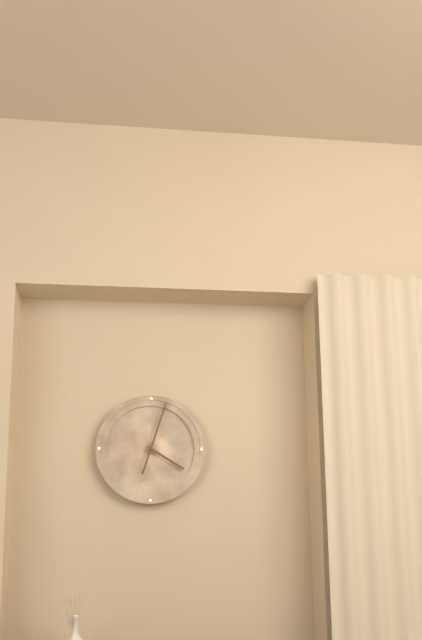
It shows 4h03
